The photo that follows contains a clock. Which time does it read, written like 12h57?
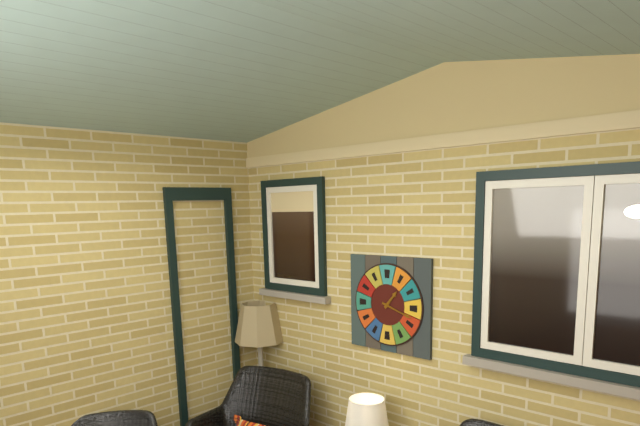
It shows 1h18
